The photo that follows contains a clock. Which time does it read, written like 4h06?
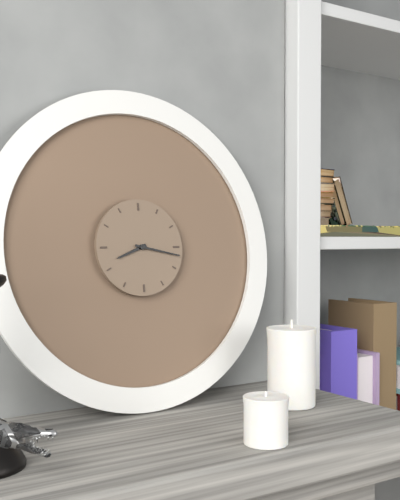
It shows 8h17
